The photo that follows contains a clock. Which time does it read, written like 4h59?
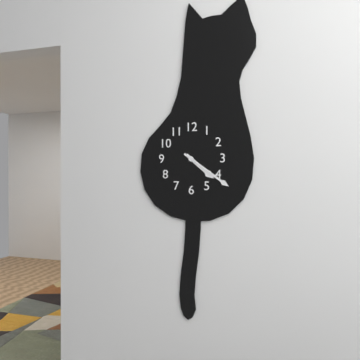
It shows 4h21
